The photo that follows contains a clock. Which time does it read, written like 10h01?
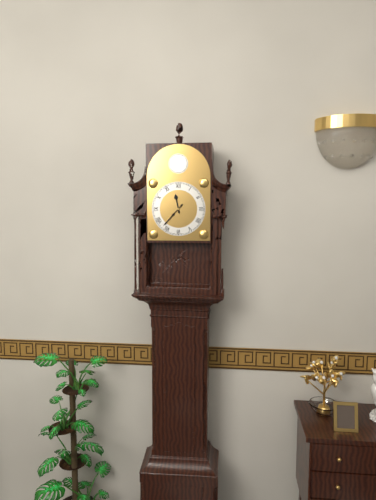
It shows 11h37
